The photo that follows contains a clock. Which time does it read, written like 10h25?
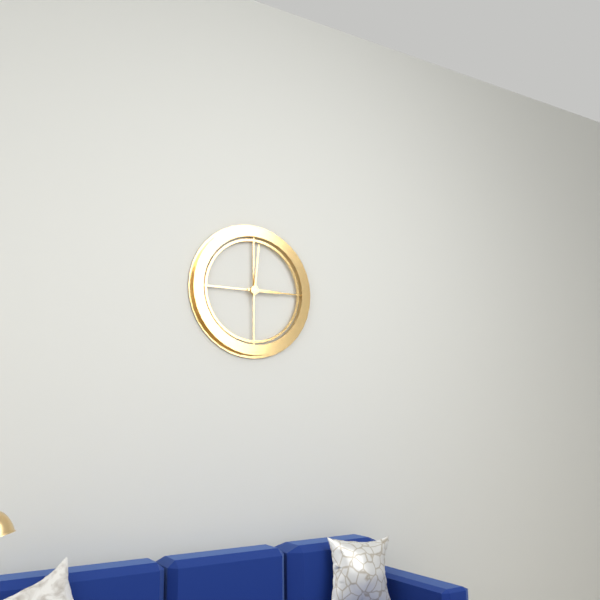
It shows 3h01
